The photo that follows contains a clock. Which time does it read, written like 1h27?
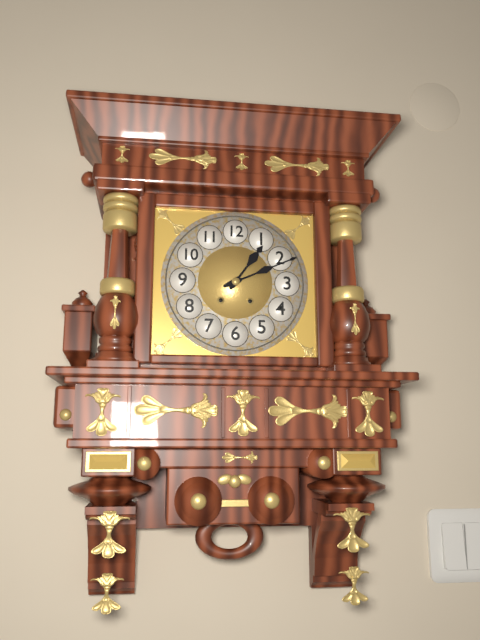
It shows 1h11
